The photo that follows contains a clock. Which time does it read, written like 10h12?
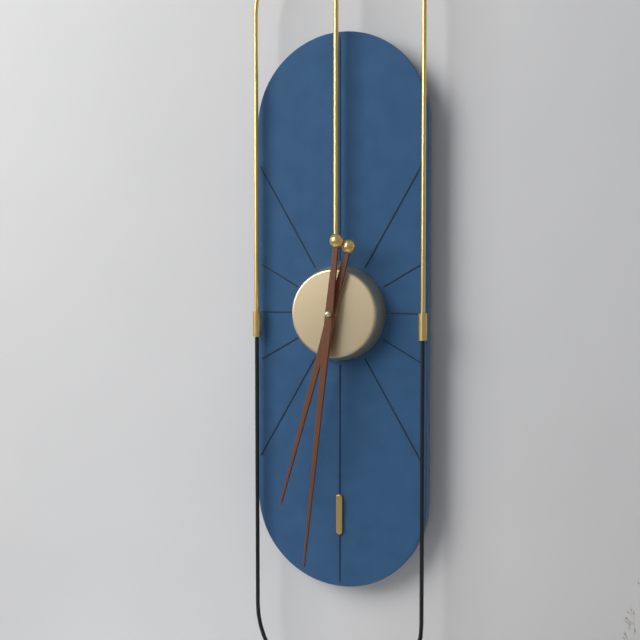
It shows 6h31
